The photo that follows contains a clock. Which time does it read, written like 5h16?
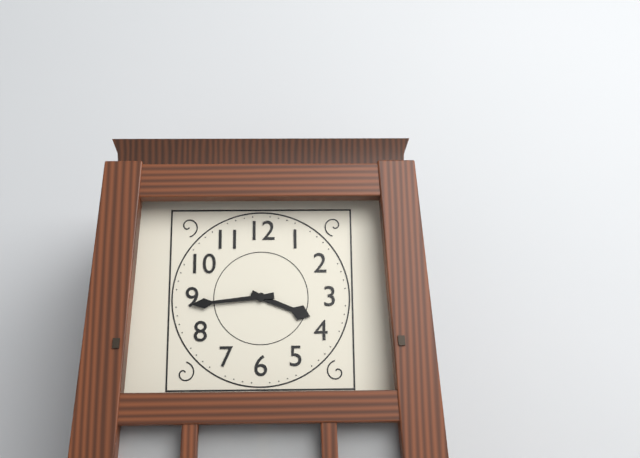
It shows 3h44
